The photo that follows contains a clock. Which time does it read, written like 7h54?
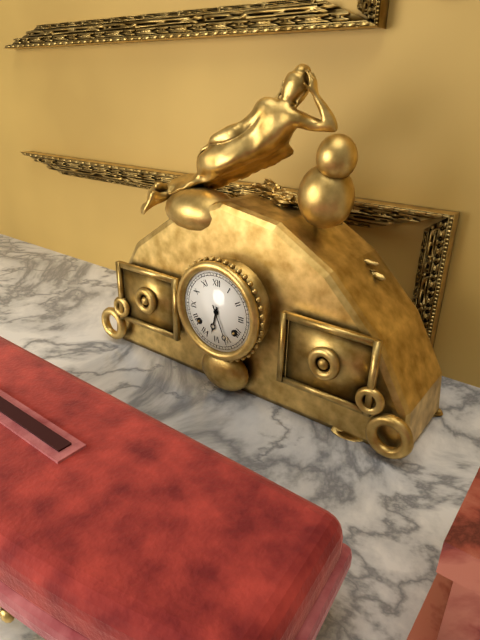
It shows 6h26
